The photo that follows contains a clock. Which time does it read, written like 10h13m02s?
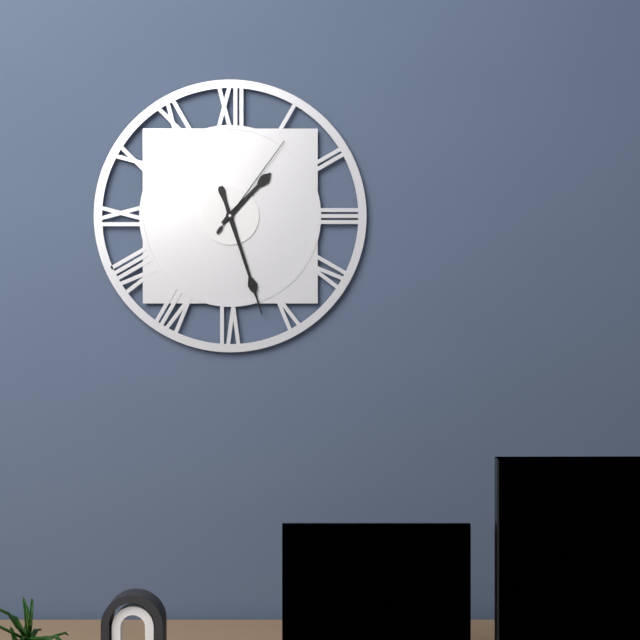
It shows 1h27m06s
